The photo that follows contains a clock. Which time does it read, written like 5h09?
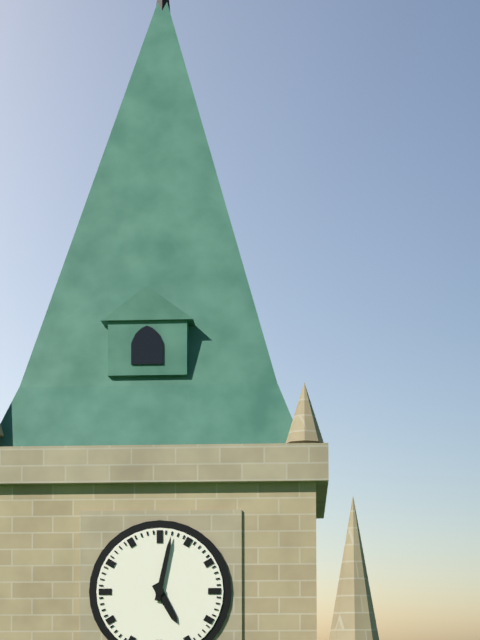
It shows 5h02
